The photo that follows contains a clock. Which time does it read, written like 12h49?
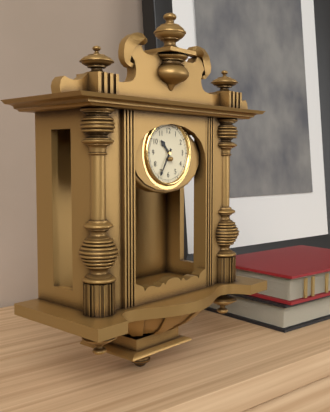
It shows 10h35
